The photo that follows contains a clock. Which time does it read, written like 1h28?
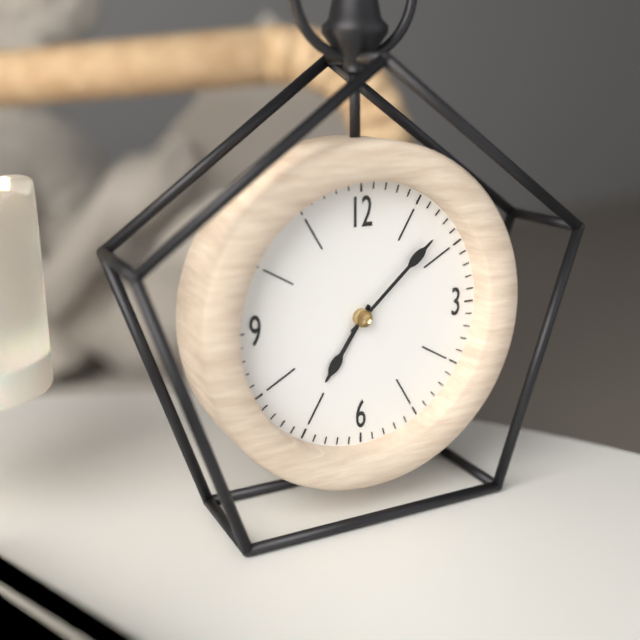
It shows 7h08
